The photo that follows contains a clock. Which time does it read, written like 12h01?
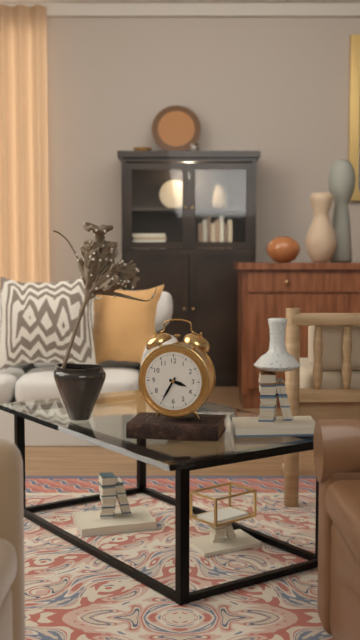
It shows 3h35
